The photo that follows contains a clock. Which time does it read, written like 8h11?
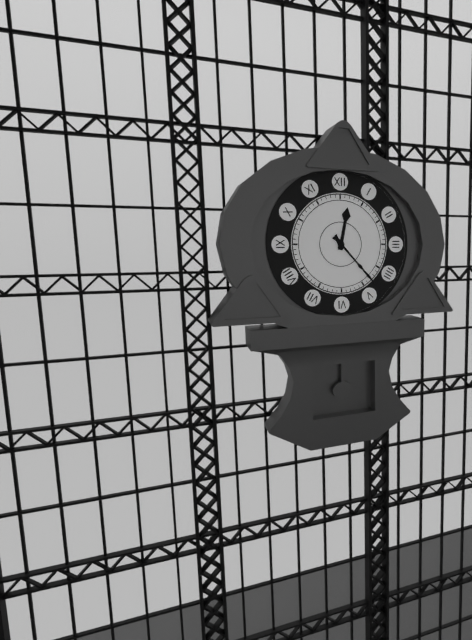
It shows 12h23
